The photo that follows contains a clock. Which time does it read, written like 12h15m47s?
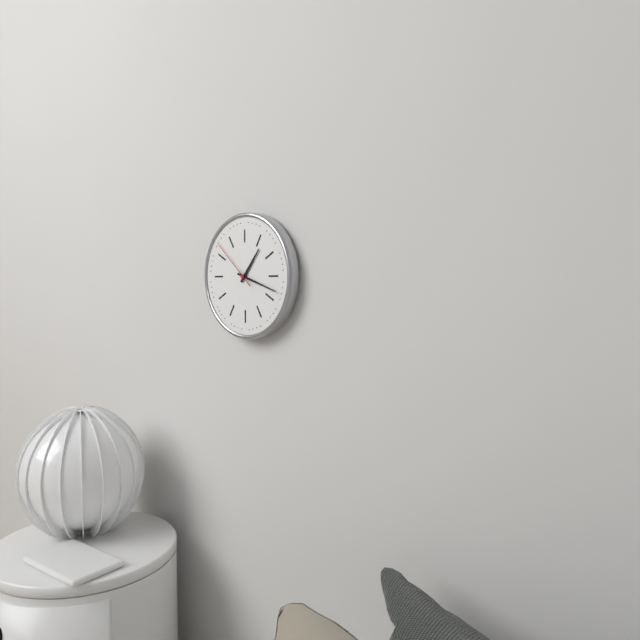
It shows 1h18m52s
